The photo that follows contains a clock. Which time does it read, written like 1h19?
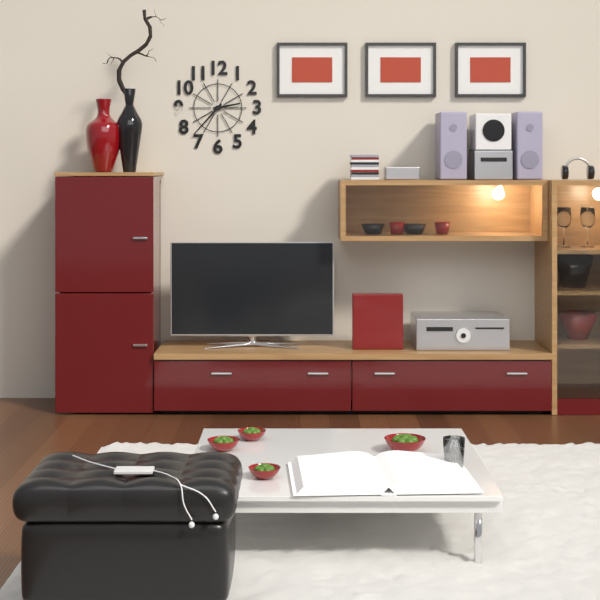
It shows 2h37
